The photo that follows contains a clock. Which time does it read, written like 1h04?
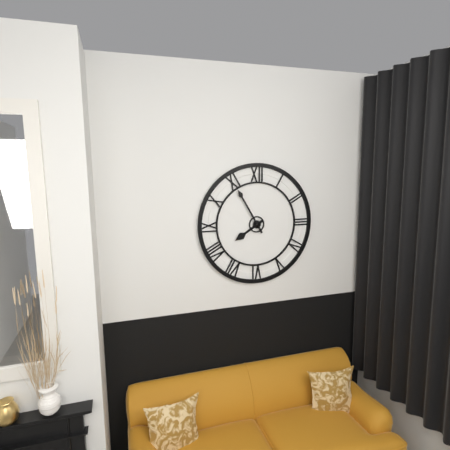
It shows 7h55
